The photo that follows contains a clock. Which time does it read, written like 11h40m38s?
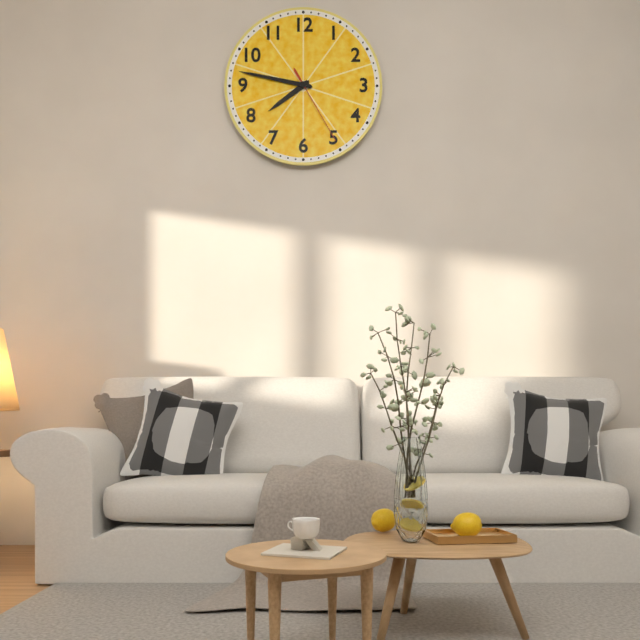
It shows 7h47m25s
